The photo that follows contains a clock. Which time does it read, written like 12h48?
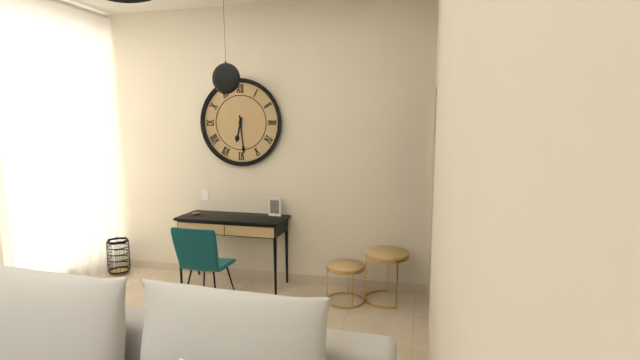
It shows 6h29
